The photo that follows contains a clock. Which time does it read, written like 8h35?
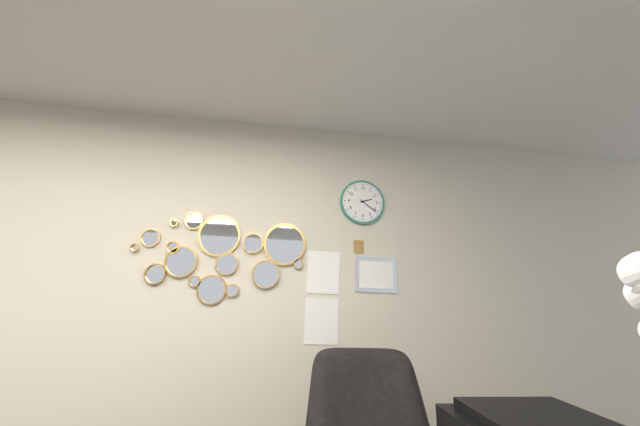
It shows 2h21
